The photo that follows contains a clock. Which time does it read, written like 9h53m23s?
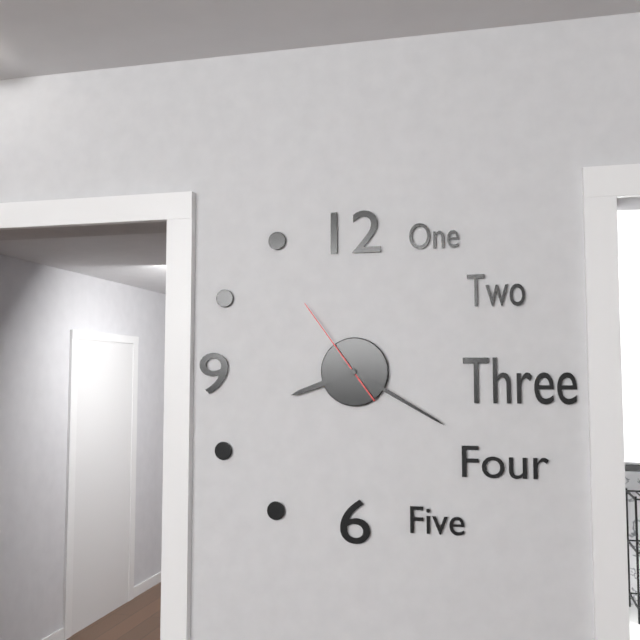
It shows 8h20m54s
